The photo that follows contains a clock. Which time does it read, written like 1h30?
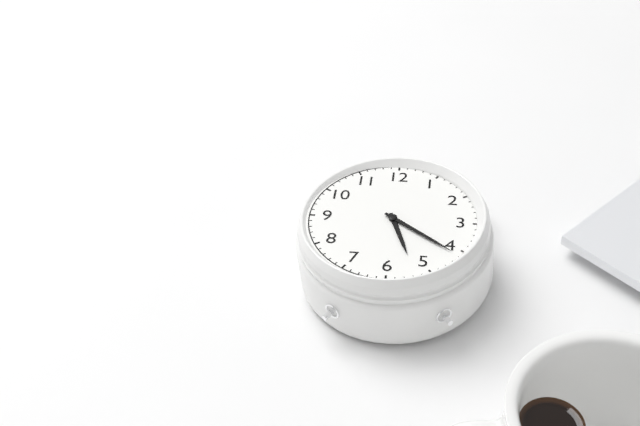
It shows 5h21
